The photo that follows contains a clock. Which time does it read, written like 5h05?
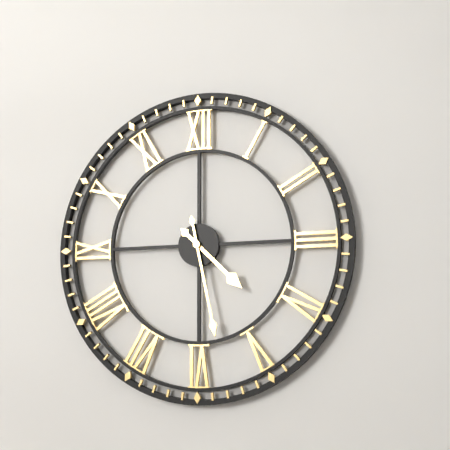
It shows 4h28
